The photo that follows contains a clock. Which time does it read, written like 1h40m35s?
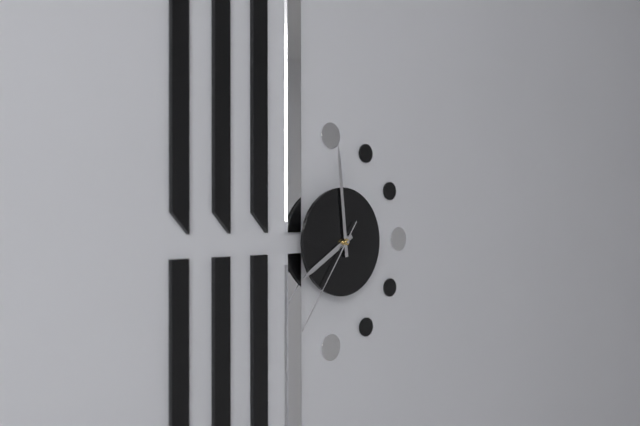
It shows 7h59m36s
